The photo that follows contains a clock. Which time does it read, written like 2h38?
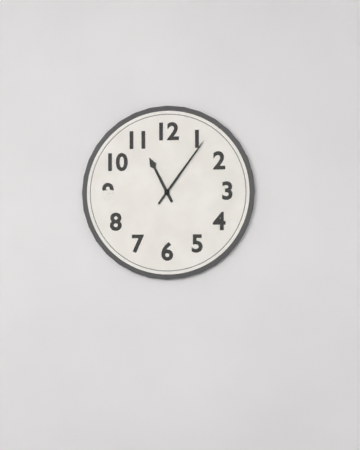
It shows 11h06
